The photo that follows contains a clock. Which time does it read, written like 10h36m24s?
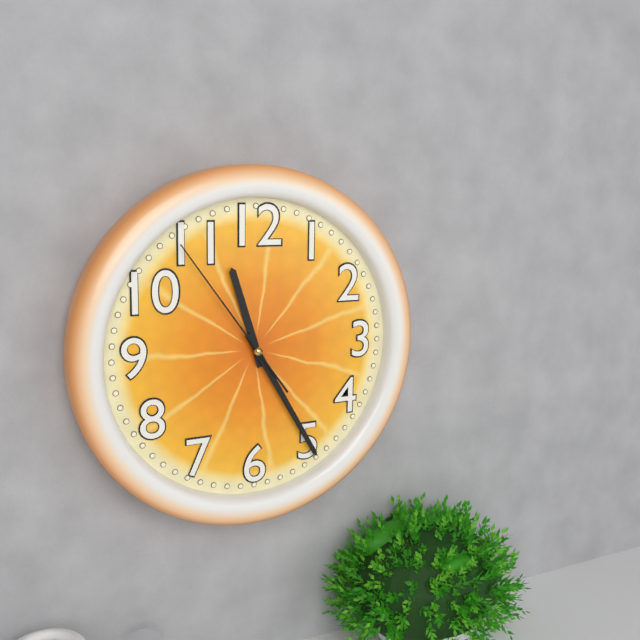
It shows 11h25m54s
